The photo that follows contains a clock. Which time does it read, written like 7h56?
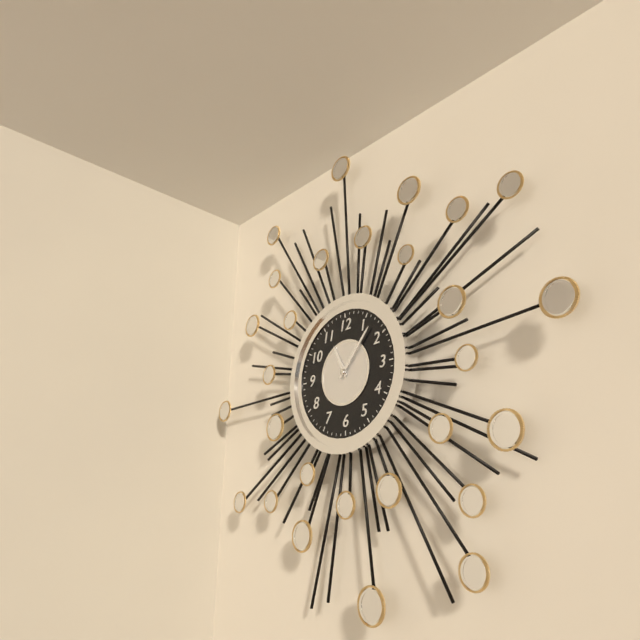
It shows 11h07
